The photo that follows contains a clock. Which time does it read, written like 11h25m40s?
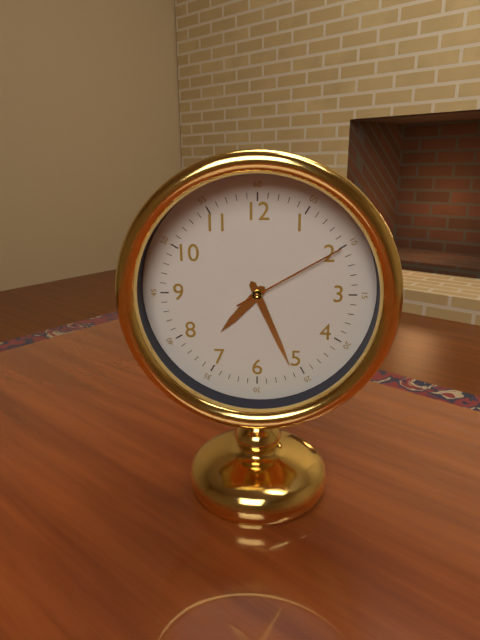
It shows 7h26m10s
